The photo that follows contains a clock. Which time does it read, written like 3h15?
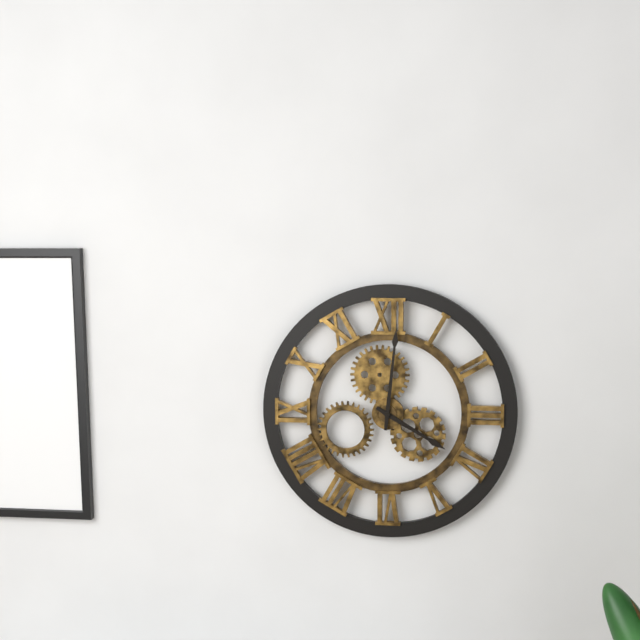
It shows 4h01
